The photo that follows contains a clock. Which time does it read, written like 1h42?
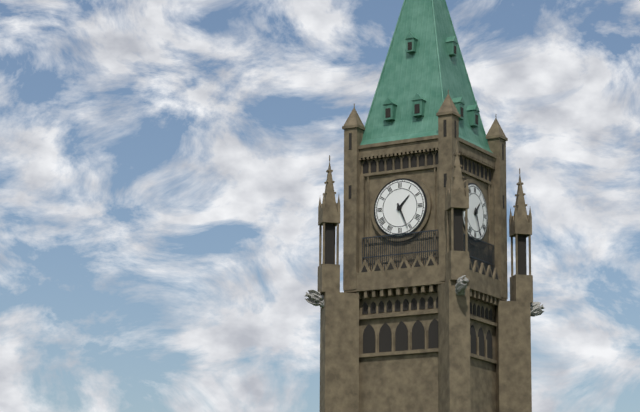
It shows 1h26
